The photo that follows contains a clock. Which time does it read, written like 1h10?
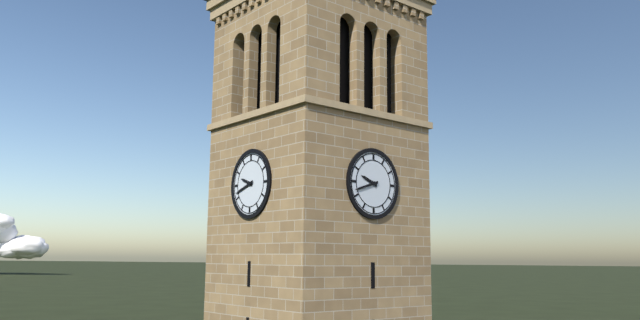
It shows 9h42
